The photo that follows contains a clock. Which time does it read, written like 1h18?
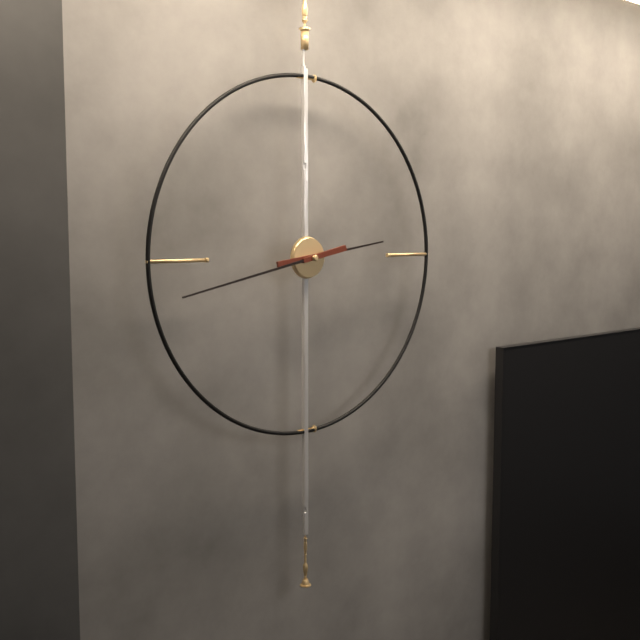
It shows 2h43
